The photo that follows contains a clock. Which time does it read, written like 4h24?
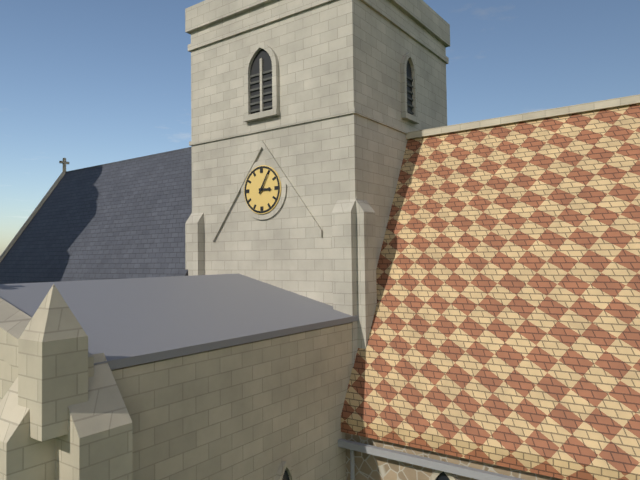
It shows 3h05
